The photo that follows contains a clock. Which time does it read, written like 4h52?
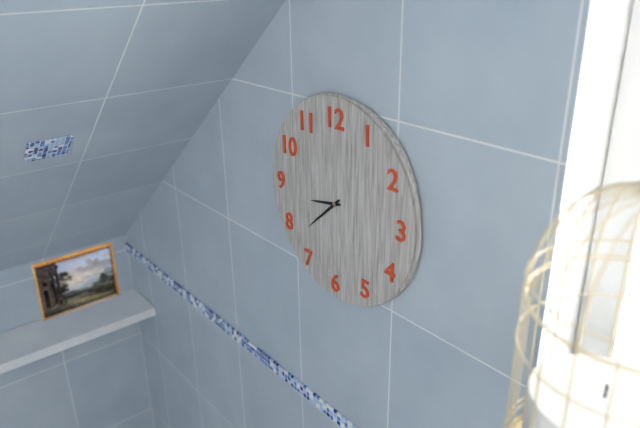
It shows 8h38
